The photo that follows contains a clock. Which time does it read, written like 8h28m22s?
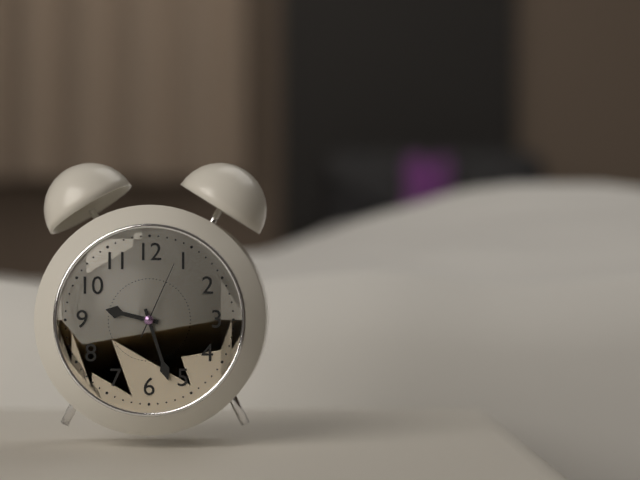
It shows 9h27m04s
